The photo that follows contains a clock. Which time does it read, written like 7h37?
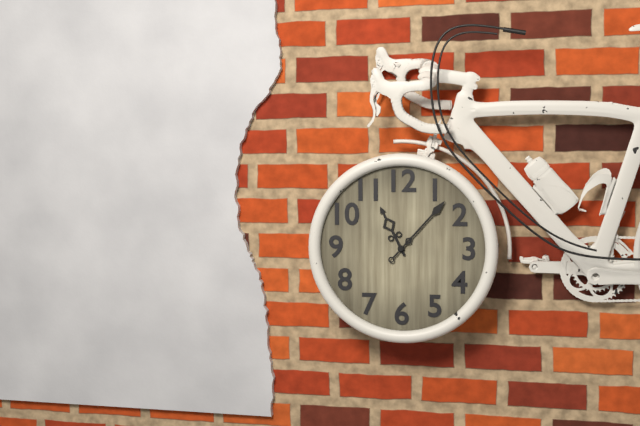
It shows 11h07
